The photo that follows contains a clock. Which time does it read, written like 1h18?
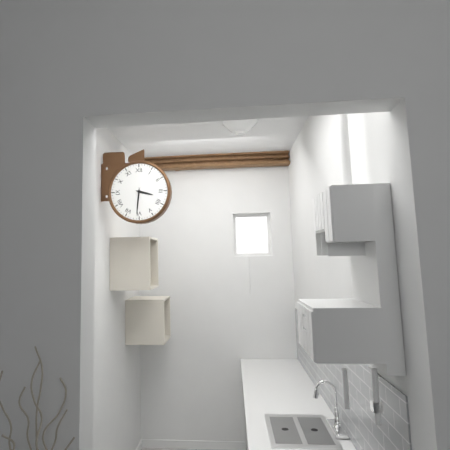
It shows 3h31
